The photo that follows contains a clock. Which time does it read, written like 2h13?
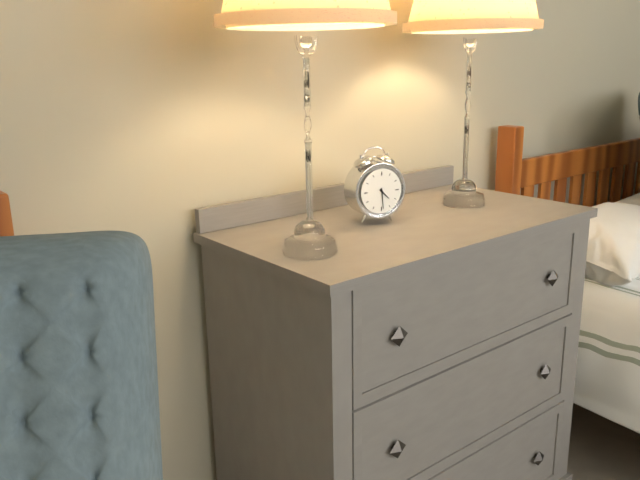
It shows 4h29
